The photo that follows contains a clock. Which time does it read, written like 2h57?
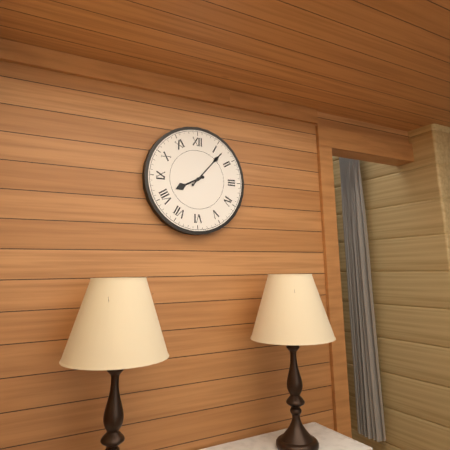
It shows 8h07
